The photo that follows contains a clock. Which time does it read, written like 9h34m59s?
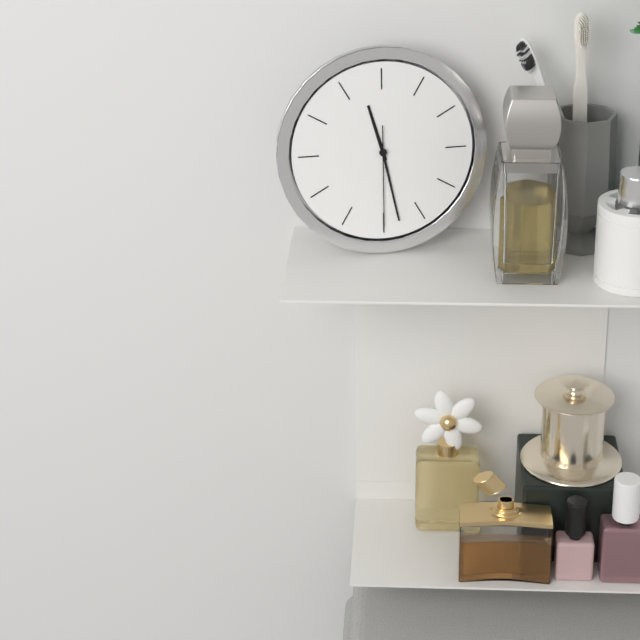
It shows 11h28m30s
